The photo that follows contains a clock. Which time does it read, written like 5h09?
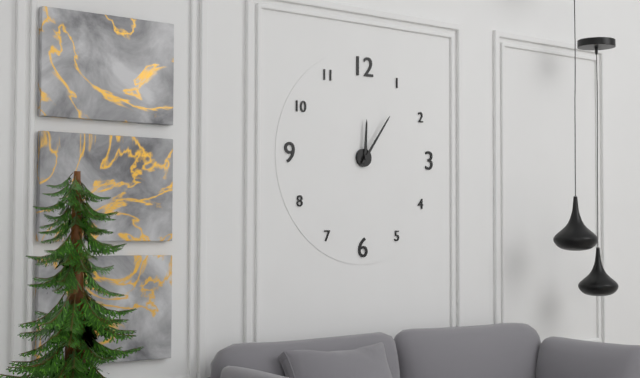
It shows 12h06
